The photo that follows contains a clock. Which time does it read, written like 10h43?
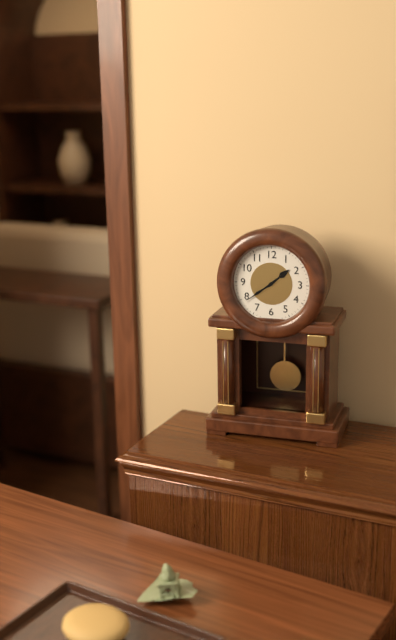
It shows 1h39
